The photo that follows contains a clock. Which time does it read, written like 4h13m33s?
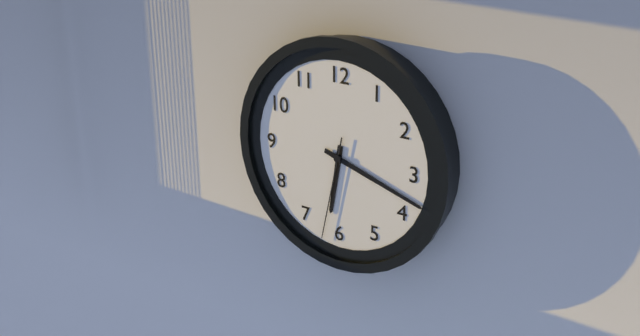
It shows 6h18m32s
